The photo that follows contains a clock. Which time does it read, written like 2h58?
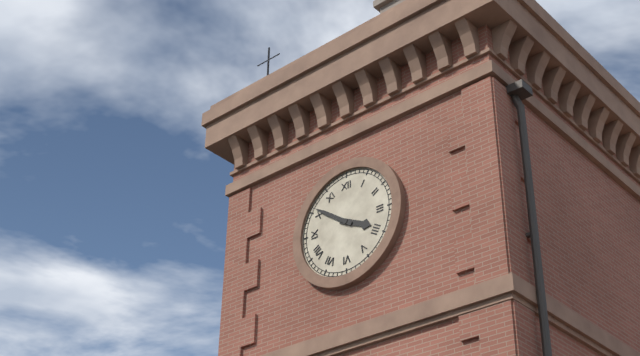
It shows 3h51
